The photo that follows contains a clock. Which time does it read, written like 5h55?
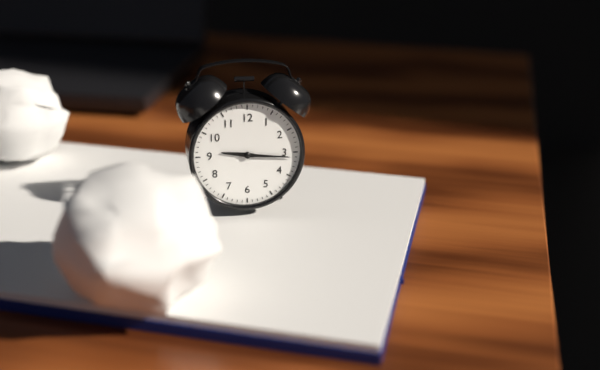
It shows 9h16
